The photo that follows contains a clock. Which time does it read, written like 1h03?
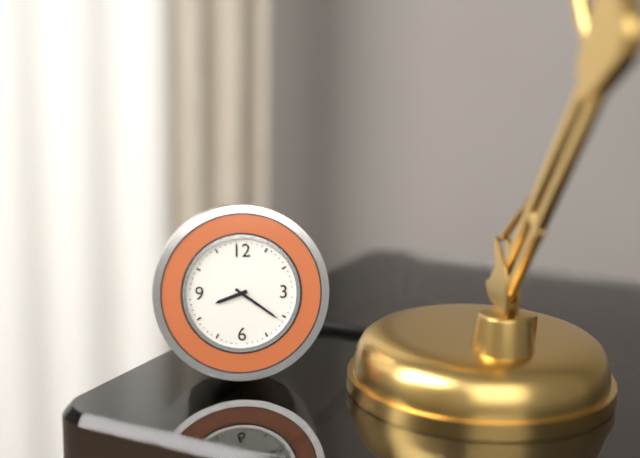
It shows 8h21
